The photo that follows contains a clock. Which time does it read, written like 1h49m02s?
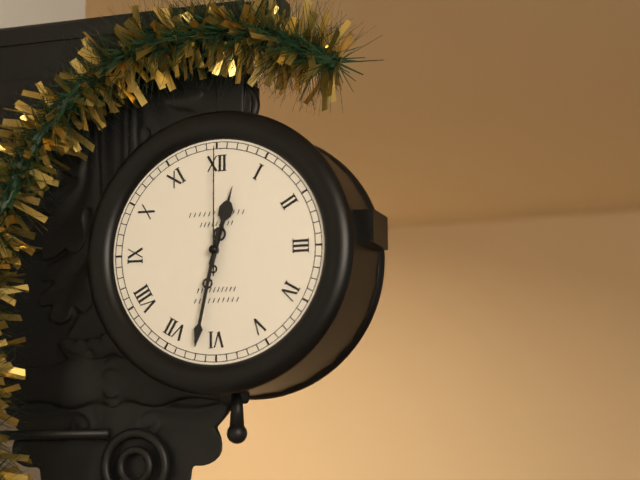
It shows 12h32m00s
